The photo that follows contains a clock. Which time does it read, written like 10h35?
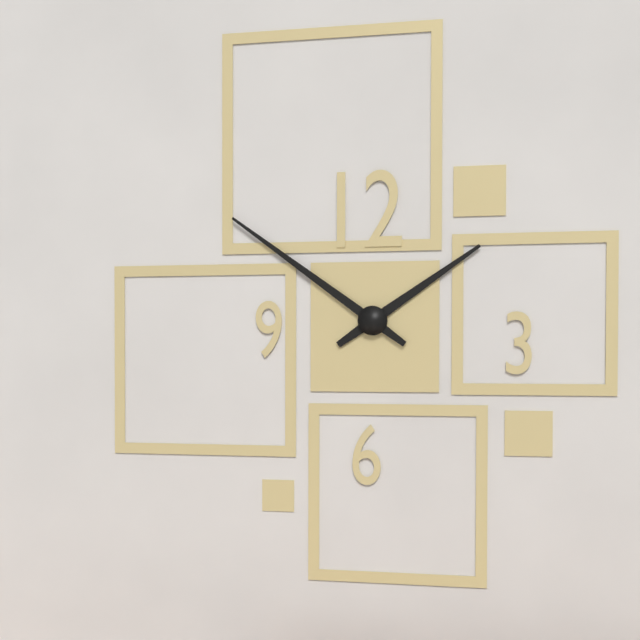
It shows 1h51
